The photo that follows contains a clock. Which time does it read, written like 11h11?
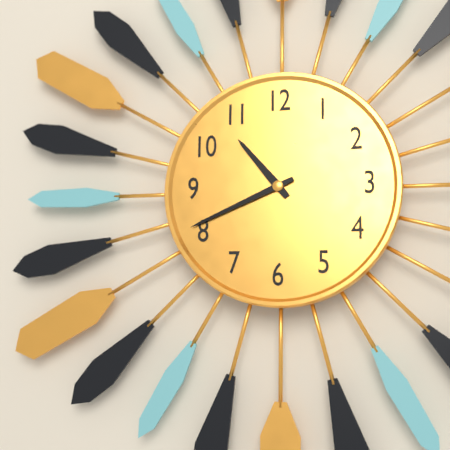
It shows 10h41
